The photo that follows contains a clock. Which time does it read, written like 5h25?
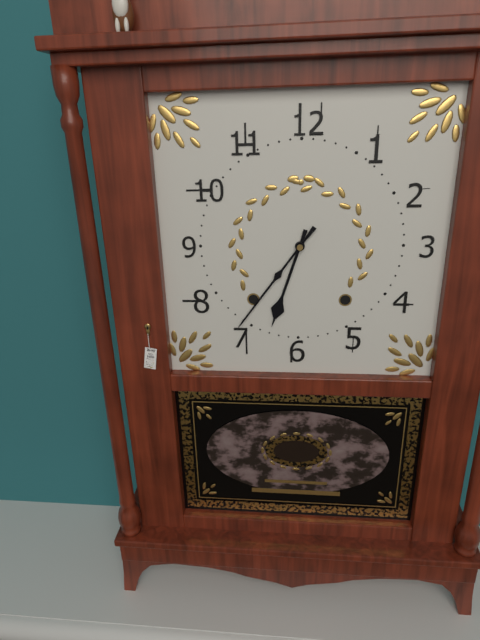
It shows 6h36
